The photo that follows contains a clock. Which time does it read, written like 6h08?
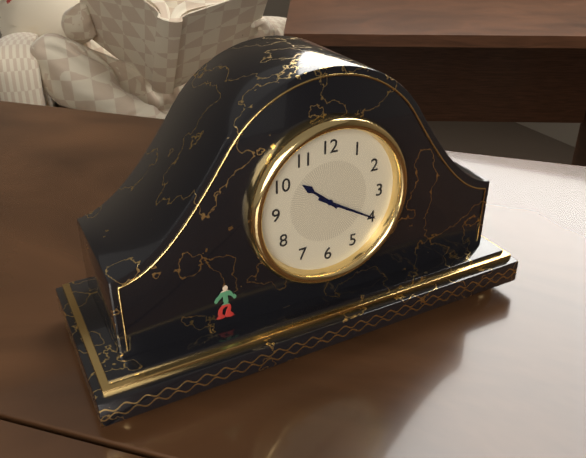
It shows 10h20
